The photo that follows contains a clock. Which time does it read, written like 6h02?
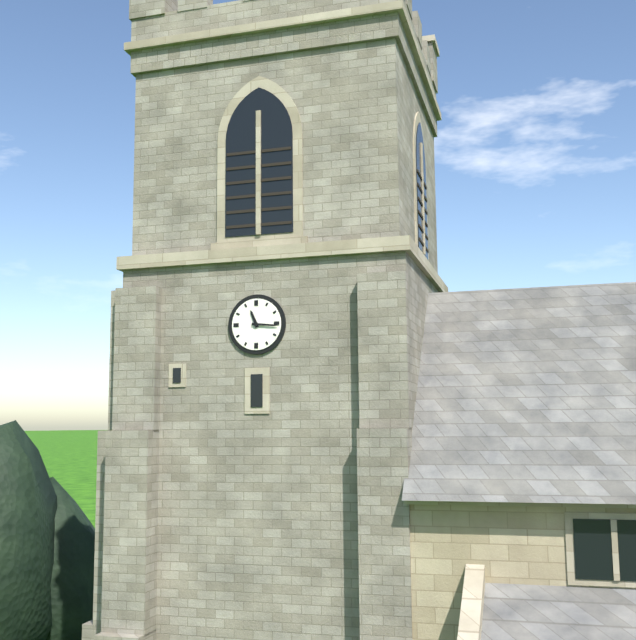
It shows 11h16
